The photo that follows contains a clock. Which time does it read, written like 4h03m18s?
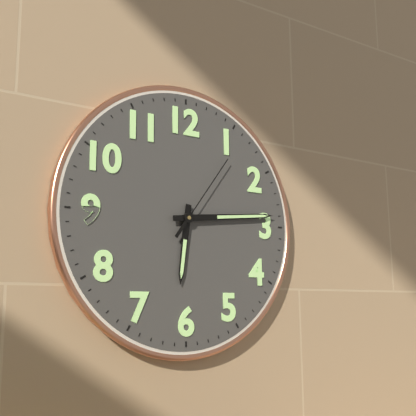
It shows 6h14m06s
